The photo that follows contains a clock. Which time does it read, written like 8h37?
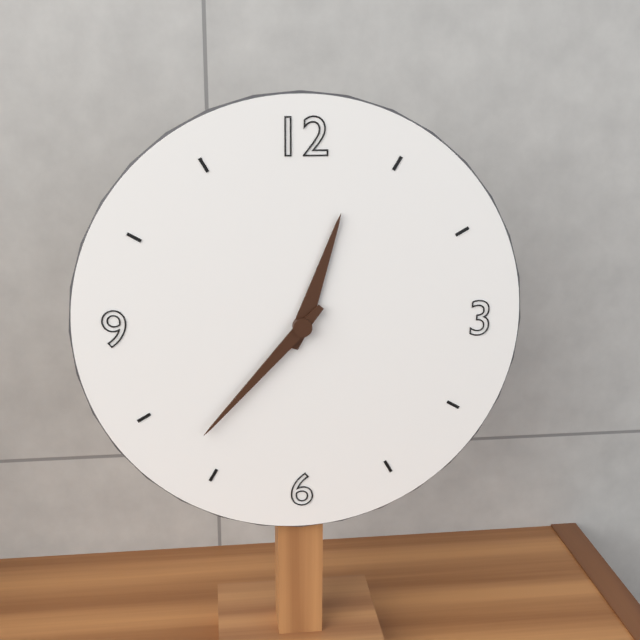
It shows 12h37
